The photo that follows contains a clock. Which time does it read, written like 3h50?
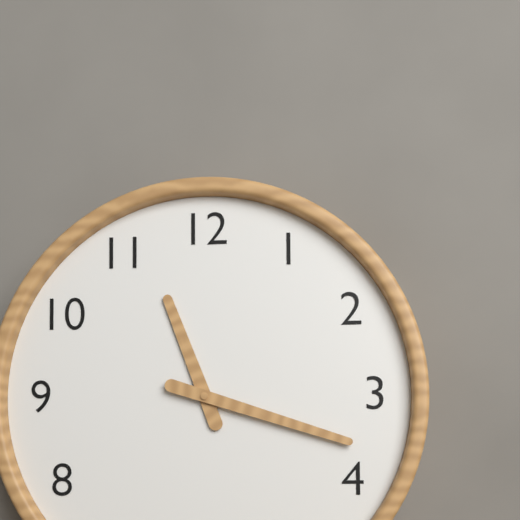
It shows 11h18
